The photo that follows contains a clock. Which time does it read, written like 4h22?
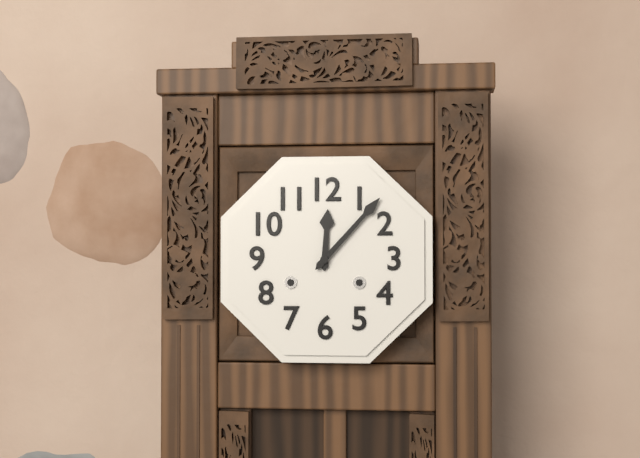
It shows 12h07
